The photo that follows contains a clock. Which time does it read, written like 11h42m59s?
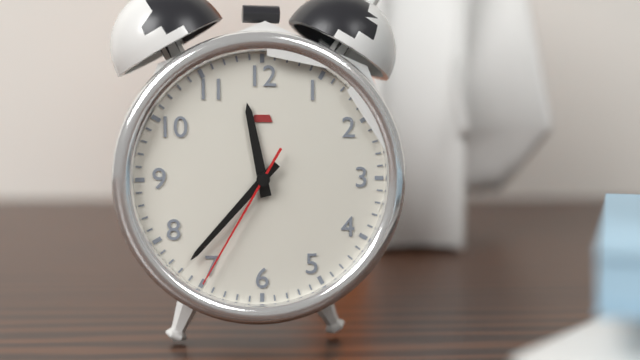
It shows 11h37m35s
